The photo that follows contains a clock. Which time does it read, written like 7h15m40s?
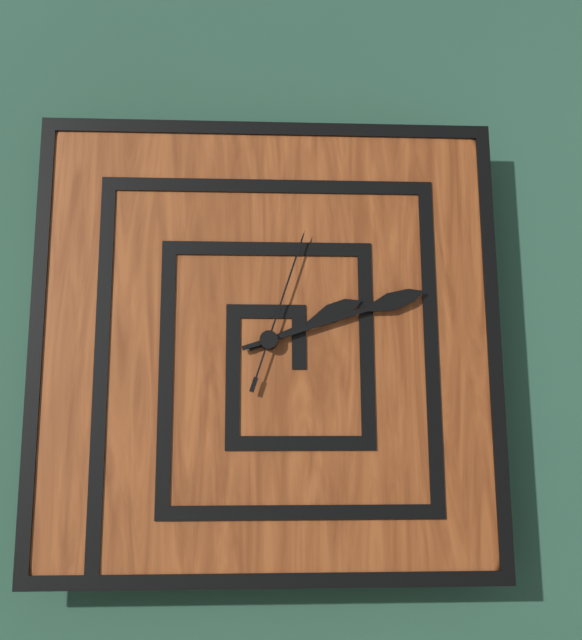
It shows 2h12m03s
